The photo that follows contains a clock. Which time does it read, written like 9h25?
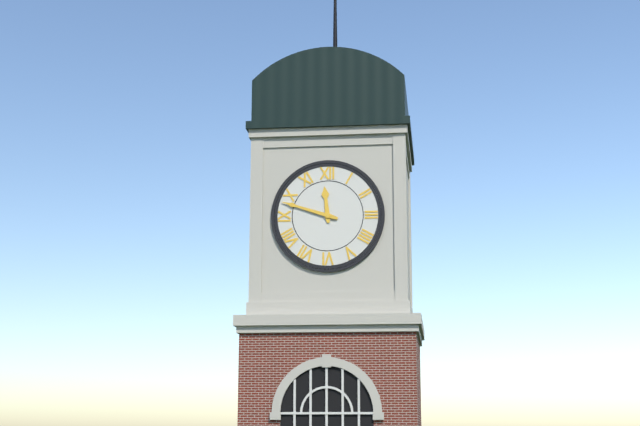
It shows 11h48
